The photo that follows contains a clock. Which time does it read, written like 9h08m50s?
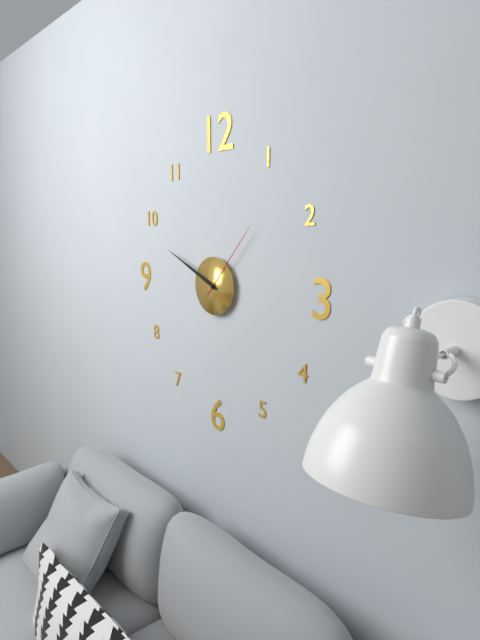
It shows 9h49m07s
